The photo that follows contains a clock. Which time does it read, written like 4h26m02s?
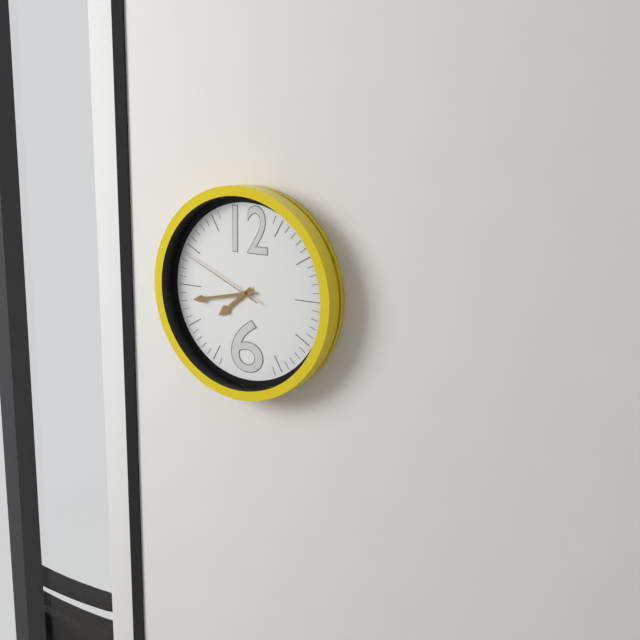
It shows 7h43m49s
